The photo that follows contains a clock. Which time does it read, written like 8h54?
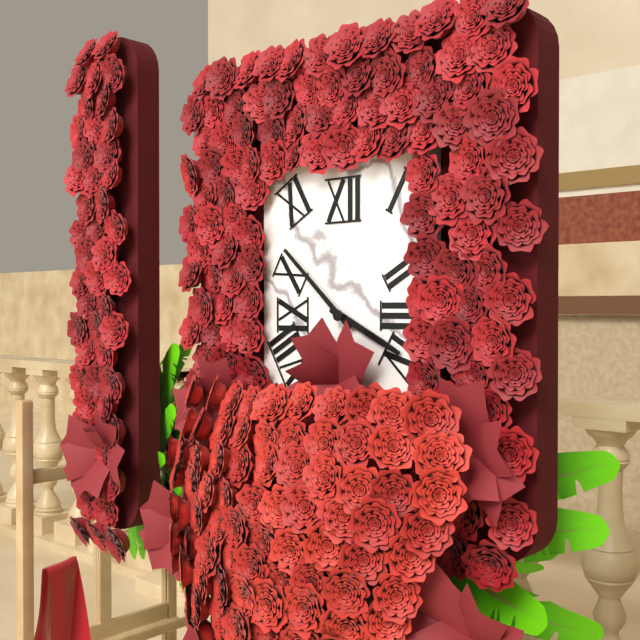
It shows 3h52
